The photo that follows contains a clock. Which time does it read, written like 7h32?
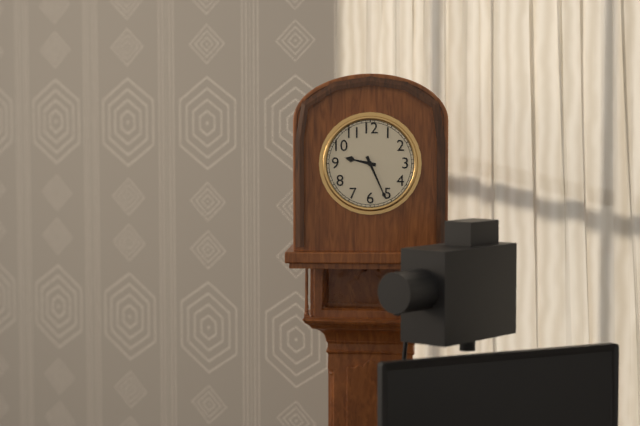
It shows 9h26
